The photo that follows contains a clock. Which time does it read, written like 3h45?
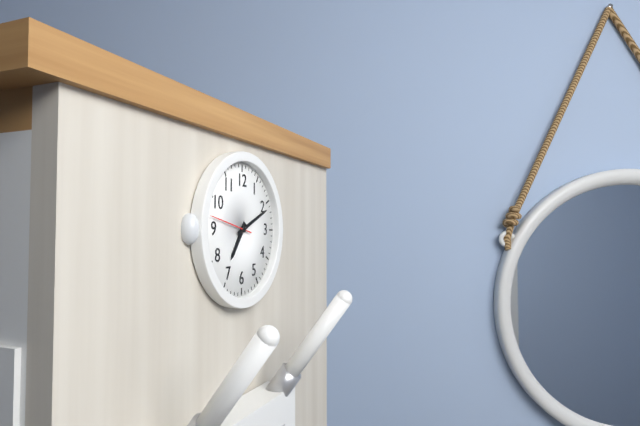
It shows 7h11
